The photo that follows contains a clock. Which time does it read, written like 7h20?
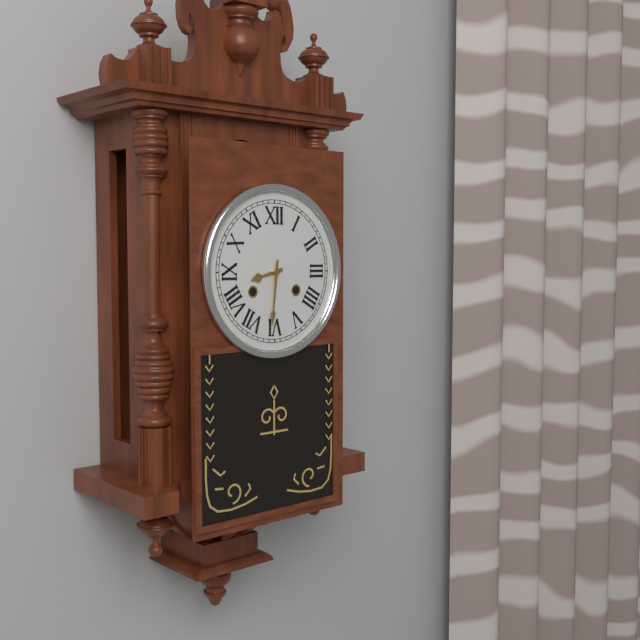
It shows 8h31
